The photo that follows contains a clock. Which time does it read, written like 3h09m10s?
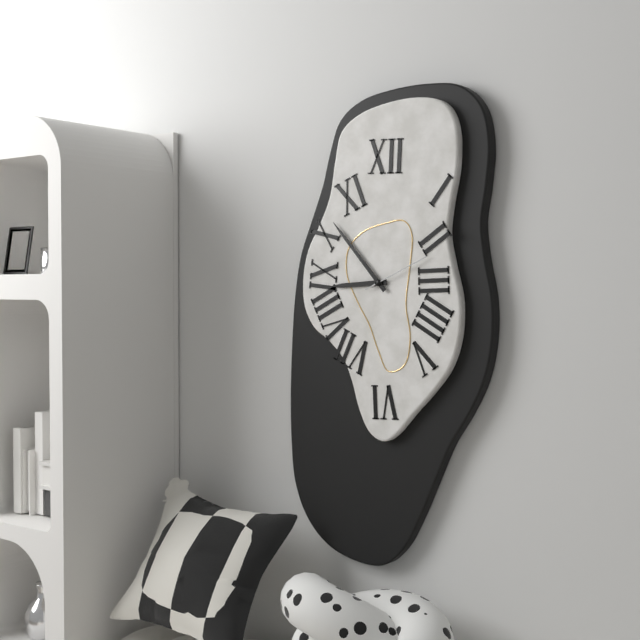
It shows 8h53m11s
